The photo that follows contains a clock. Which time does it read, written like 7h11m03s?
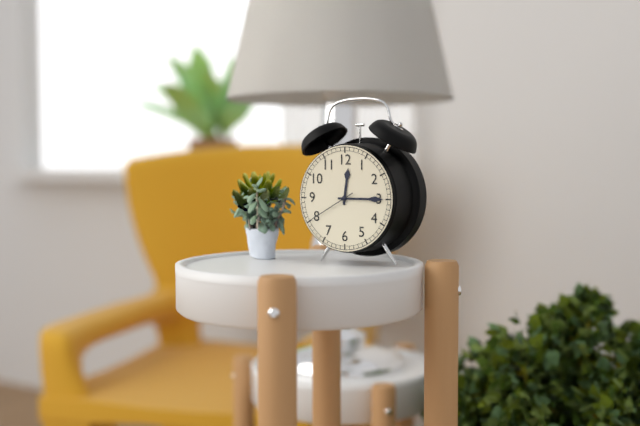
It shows 12h15m40s
